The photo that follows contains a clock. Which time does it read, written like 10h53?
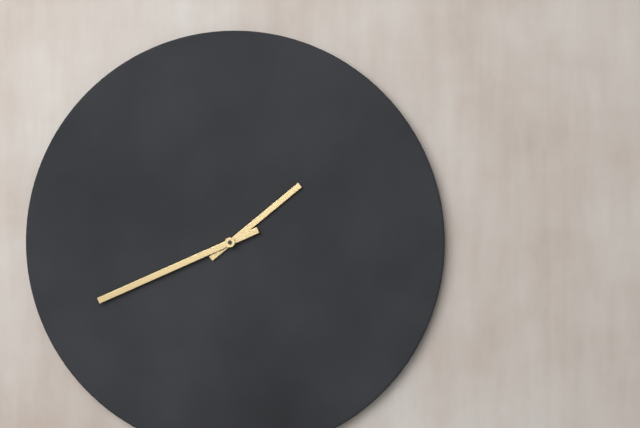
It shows 1h41
